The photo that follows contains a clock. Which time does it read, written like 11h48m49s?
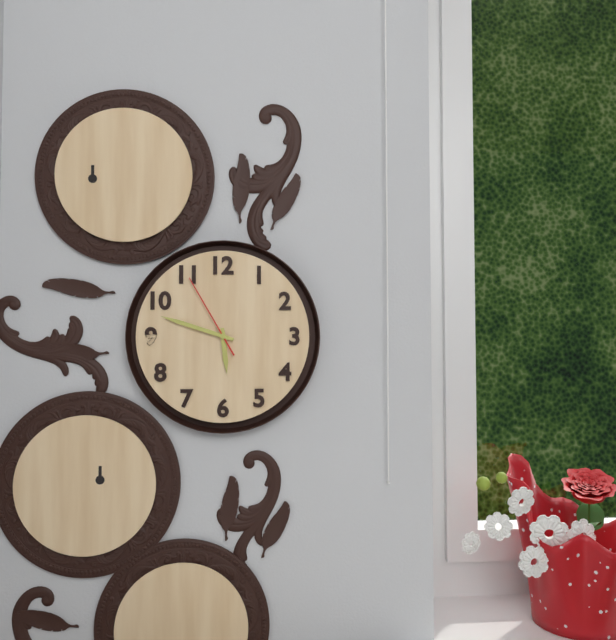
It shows 5h48m55s
